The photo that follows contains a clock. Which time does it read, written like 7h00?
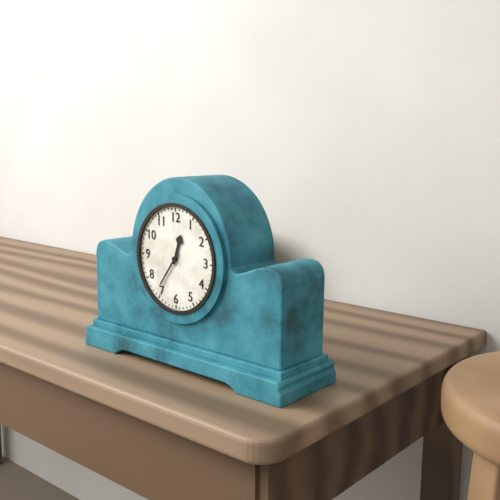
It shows 12h36
